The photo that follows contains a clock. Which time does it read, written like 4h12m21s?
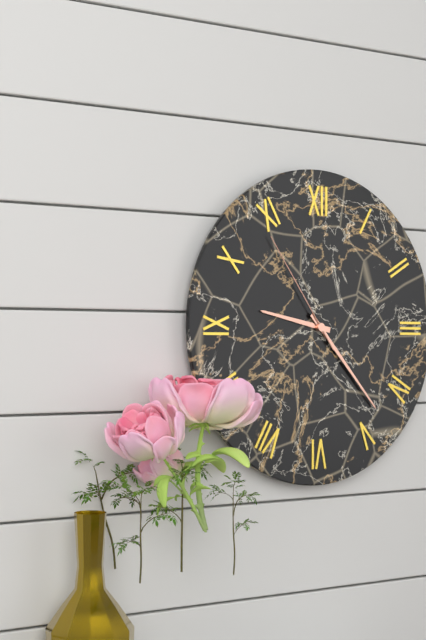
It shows 9h23m54s
